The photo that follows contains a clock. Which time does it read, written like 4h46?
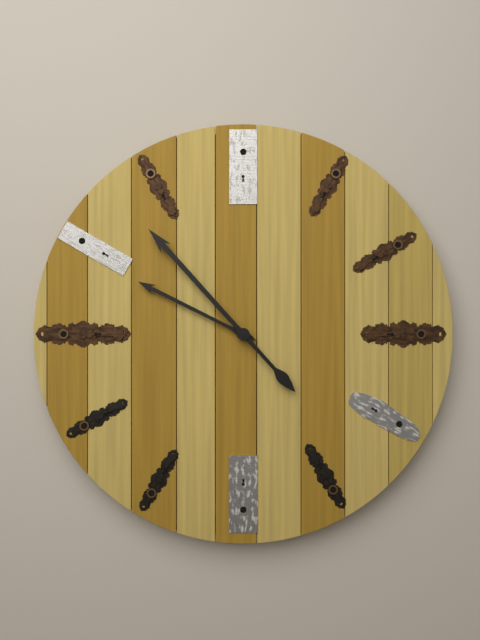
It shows 9h53
